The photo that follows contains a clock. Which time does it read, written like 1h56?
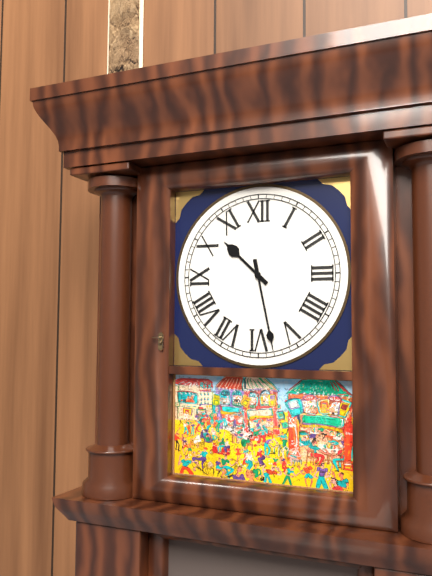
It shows 10h28
